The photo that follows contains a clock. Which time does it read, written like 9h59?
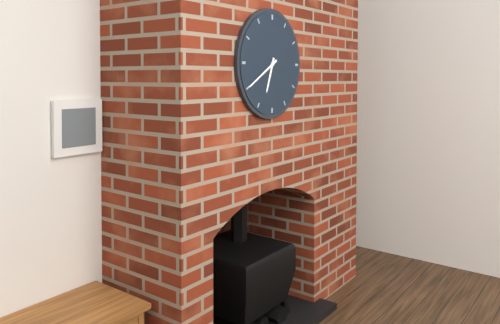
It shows 6h40
